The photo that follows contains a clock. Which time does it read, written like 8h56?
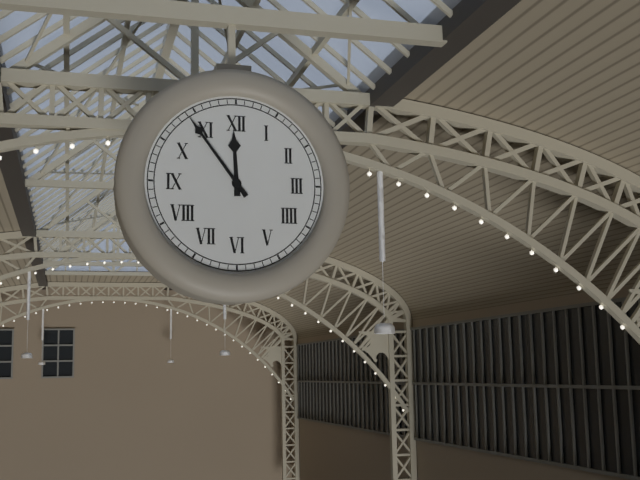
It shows 11h54
